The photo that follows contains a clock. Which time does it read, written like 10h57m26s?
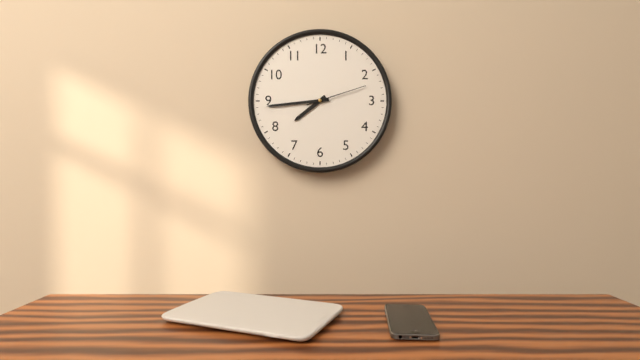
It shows 7h44m12s
